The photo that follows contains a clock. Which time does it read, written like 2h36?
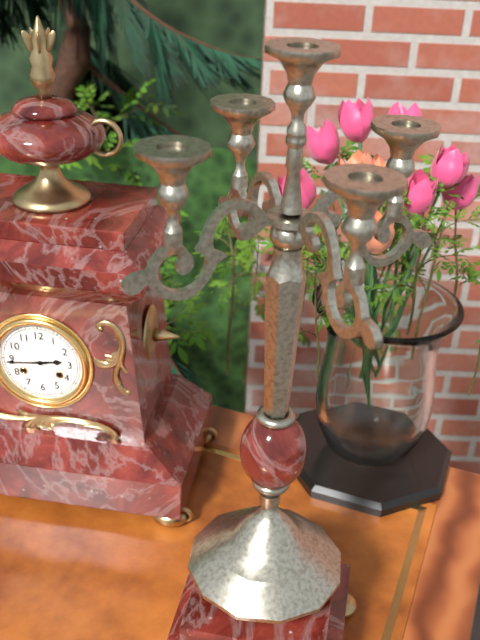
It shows 2h44
